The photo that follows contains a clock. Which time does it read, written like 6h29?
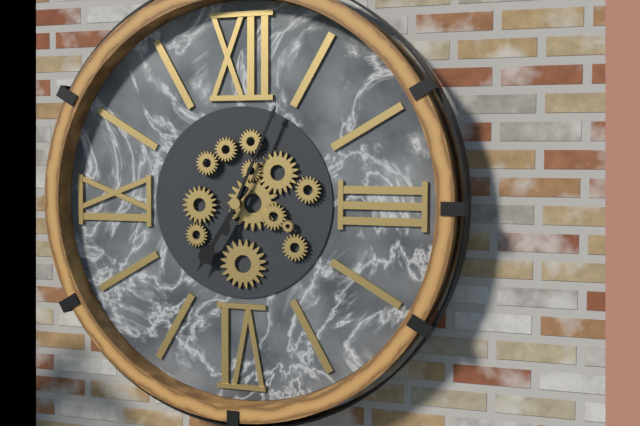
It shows 7h04
